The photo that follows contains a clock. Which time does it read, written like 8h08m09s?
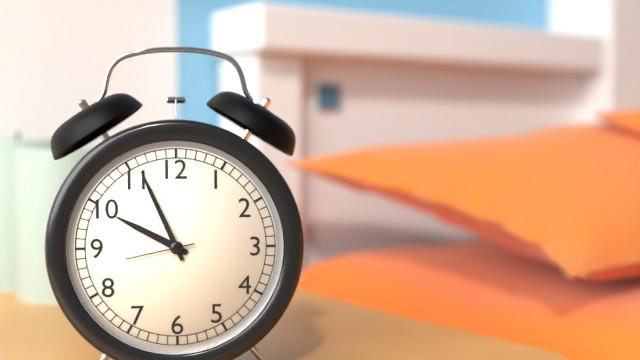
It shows 9h56m43s
